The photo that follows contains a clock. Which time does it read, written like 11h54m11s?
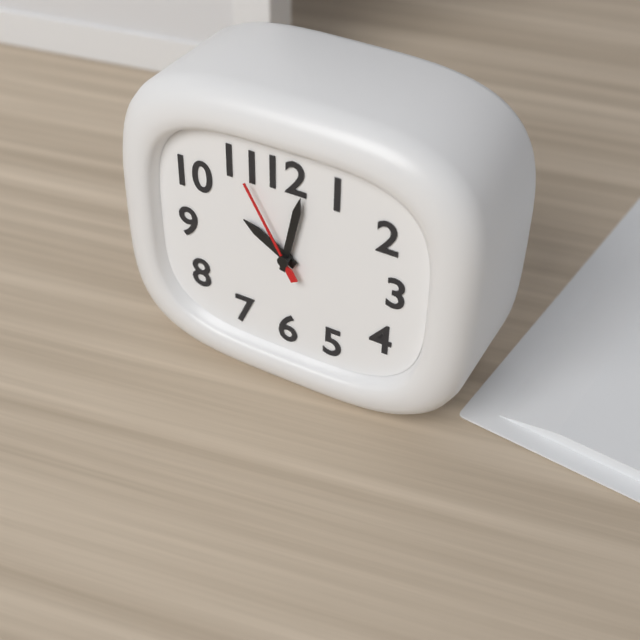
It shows 10h02m55s
